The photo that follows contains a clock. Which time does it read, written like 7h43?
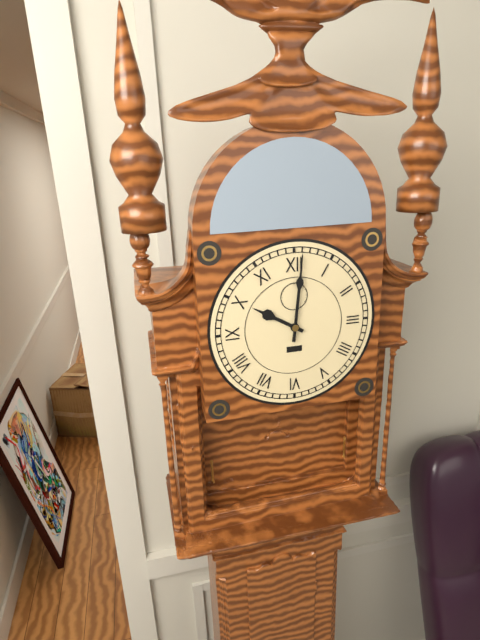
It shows 10h01
